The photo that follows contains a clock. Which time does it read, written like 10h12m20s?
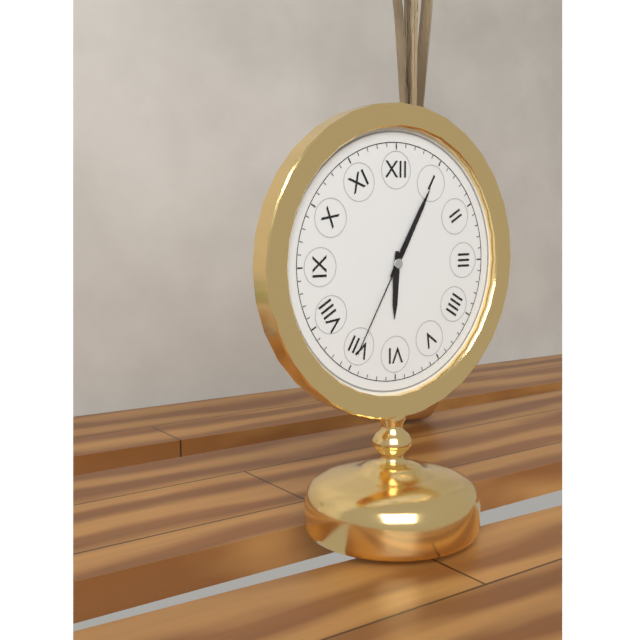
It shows 6h05m35s
